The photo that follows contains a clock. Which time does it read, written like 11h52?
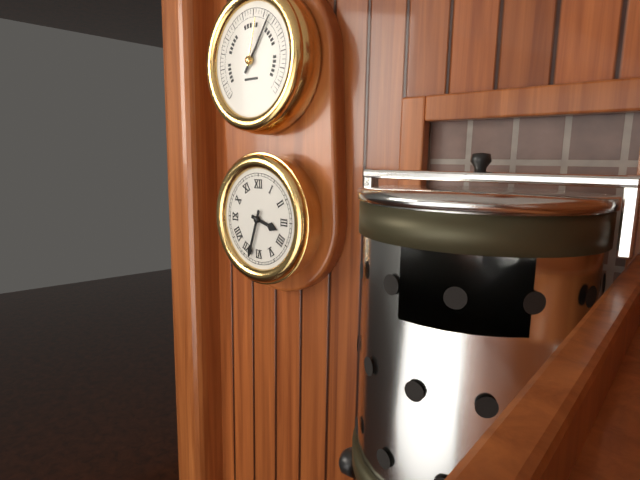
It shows 3h33
